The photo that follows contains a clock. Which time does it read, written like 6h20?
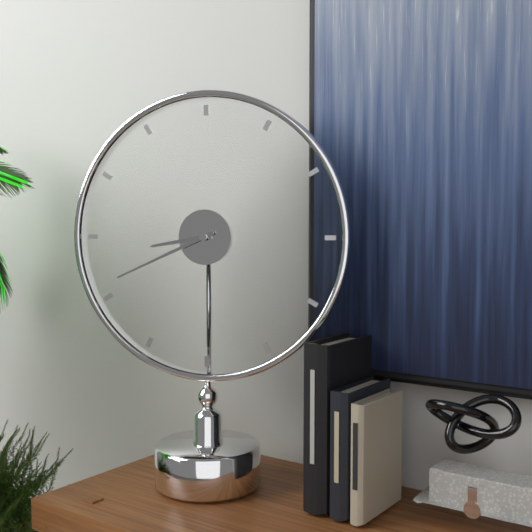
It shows 8h41
